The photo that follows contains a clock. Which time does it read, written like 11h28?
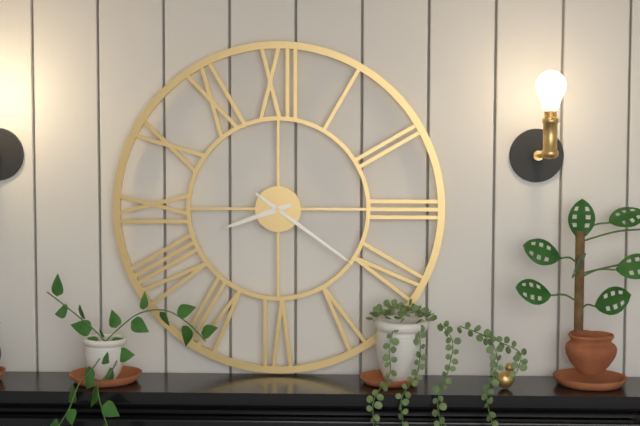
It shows 8h21
